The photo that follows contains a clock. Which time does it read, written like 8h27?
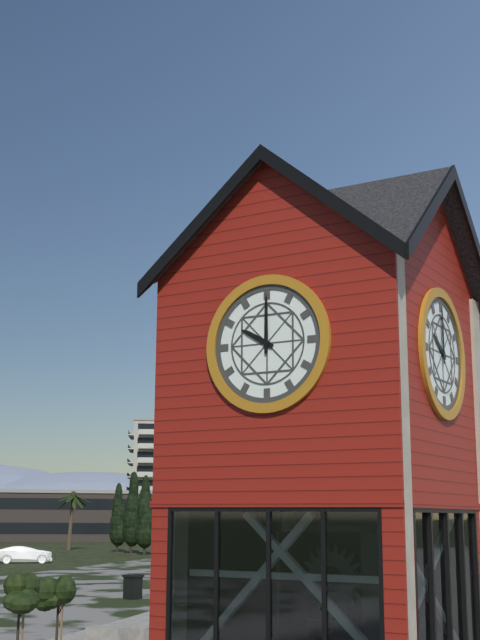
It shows 10h00
